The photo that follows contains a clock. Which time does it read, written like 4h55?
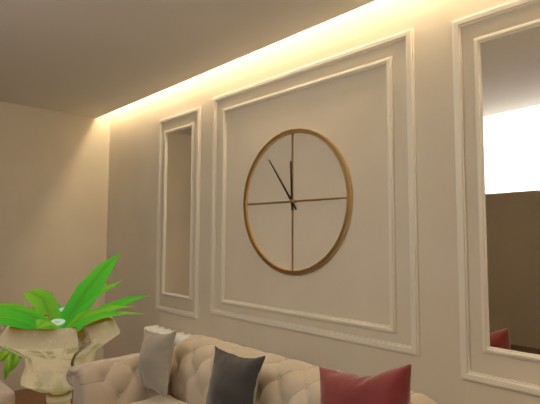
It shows 11h54
